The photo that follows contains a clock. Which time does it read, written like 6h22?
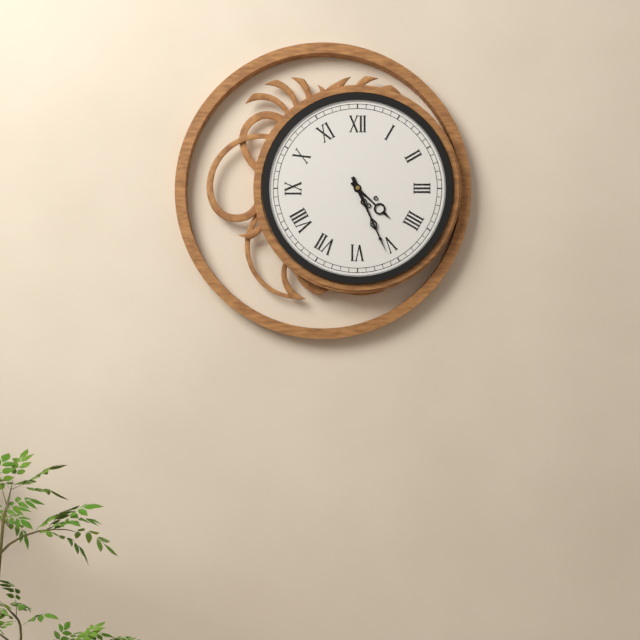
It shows 4h26
